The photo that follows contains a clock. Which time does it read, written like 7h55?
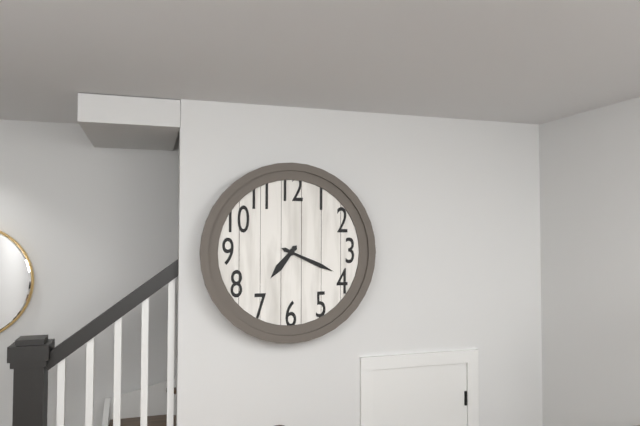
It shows 7h19
